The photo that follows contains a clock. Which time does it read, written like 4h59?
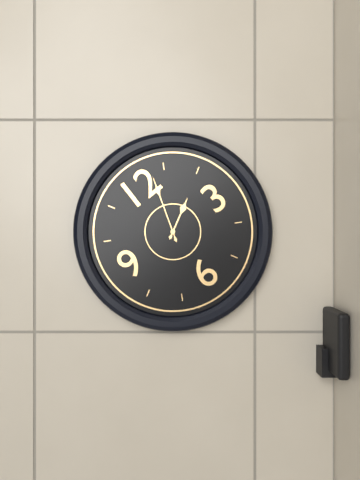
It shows 2h03
